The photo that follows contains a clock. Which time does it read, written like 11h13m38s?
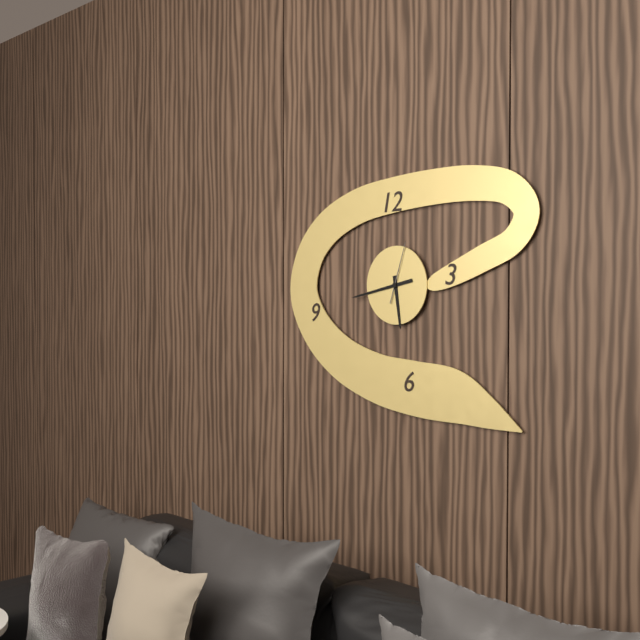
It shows 5h43m03s
